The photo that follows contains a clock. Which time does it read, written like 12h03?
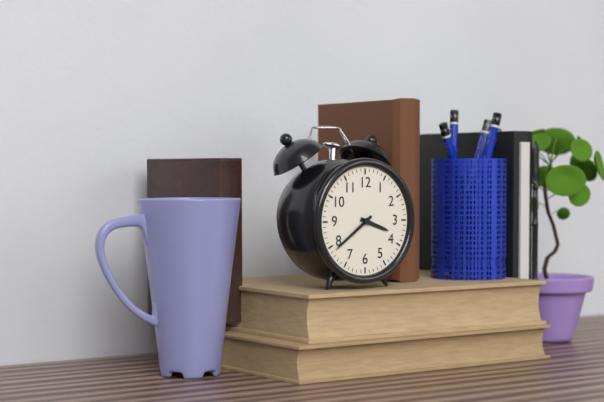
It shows 3h39
